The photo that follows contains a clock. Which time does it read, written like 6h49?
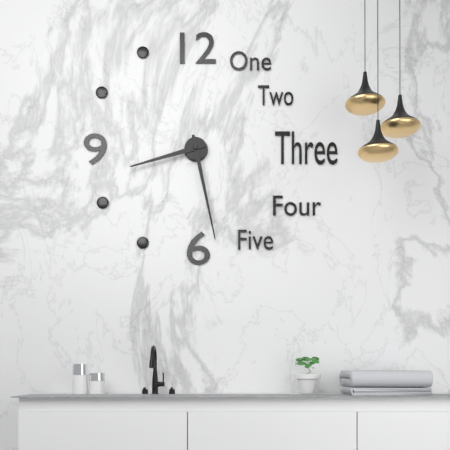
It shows 8h28
